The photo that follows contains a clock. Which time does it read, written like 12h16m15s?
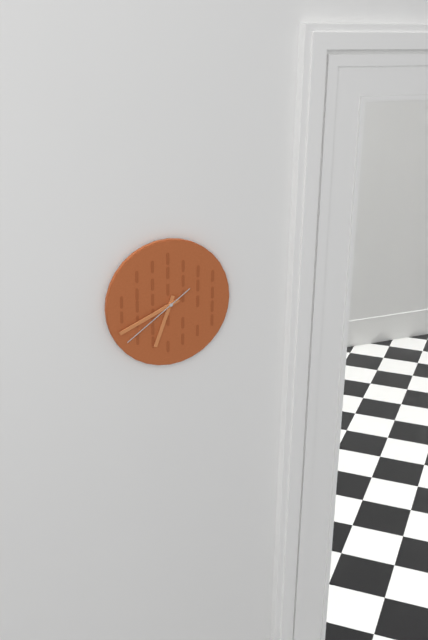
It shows 6h41m39s
